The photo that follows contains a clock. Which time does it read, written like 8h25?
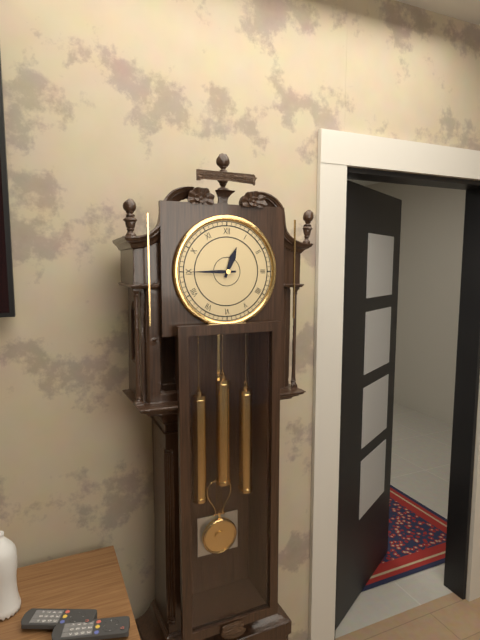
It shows 12h45
